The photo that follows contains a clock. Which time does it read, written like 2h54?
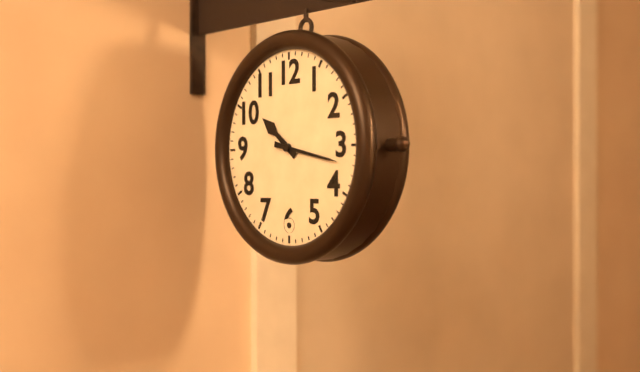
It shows 10h17
